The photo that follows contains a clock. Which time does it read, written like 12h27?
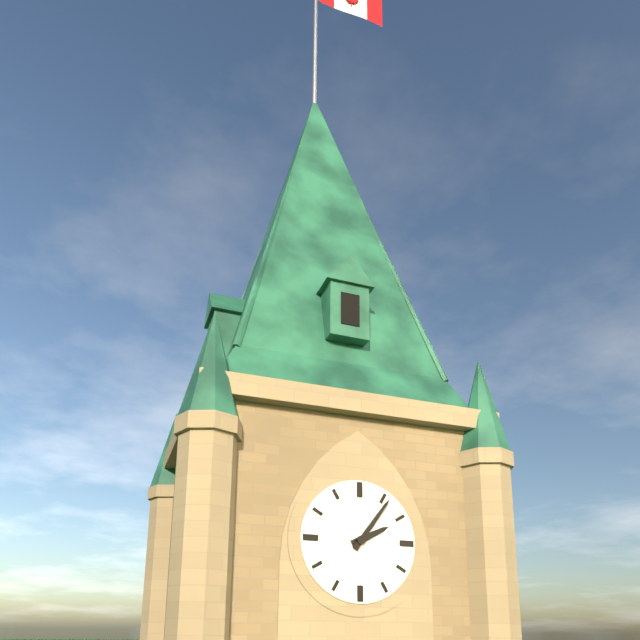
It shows 2h06
